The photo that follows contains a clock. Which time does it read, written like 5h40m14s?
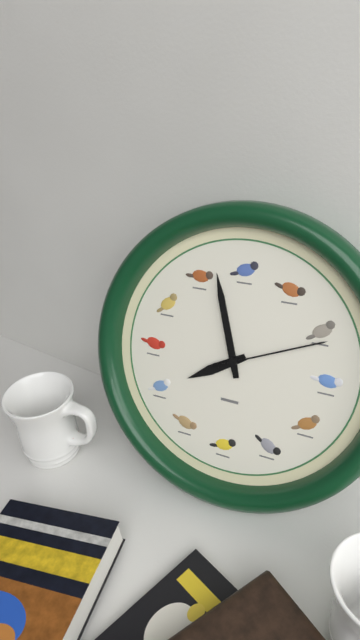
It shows 7h57m11s
